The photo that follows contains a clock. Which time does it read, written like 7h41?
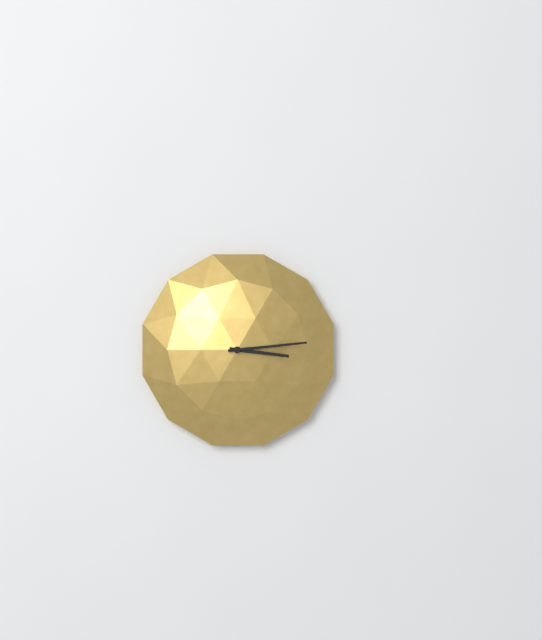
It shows 3h14
